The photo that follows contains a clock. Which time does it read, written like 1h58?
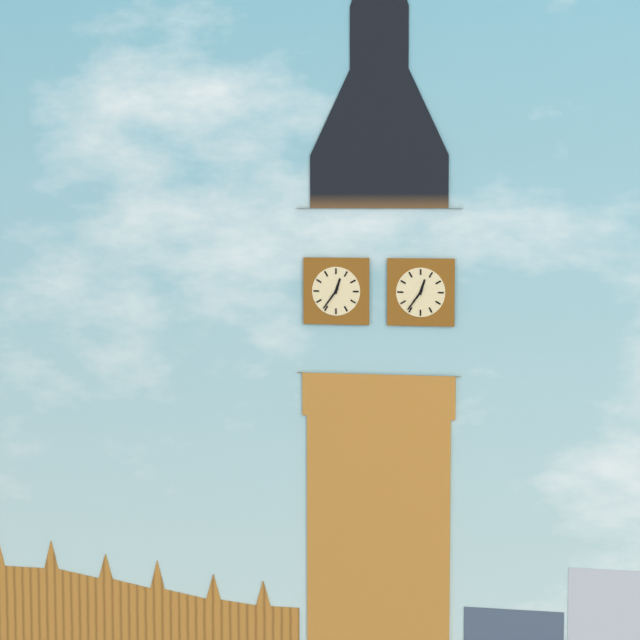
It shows 12h36
